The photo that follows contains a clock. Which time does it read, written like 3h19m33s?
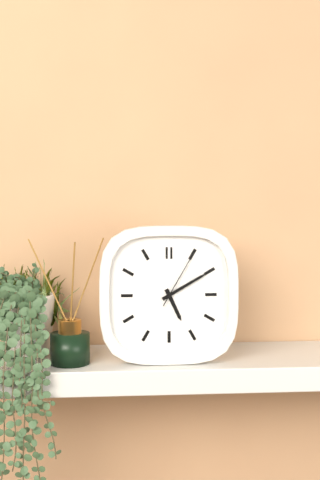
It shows 5h10m05s
